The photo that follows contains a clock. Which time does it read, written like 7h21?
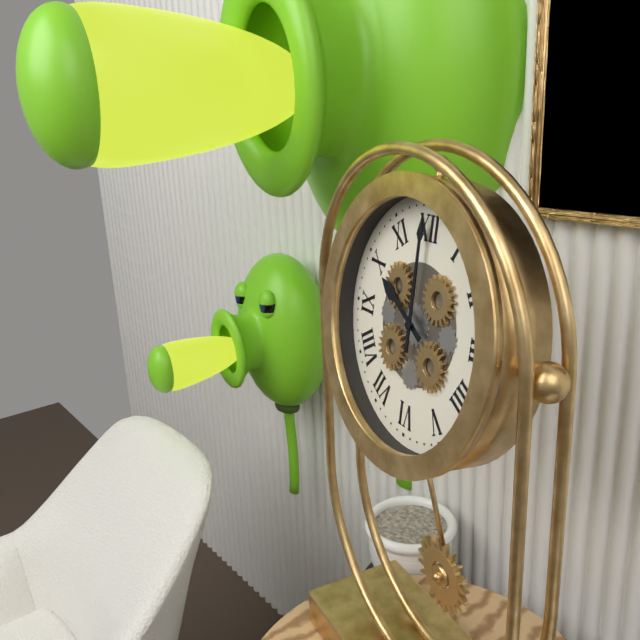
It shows 10h00
